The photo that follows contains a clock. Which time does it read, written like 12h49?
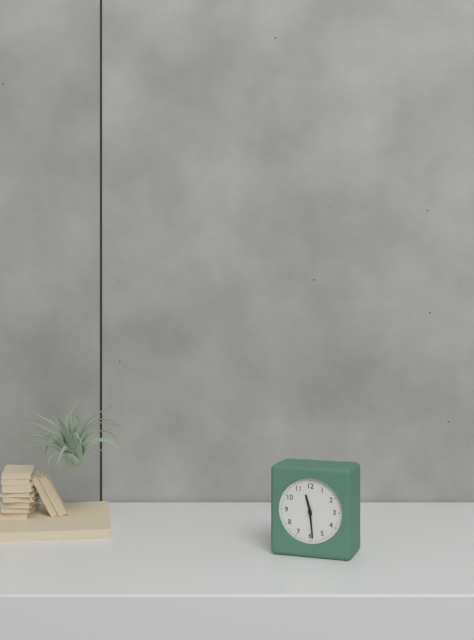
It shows 11h29
